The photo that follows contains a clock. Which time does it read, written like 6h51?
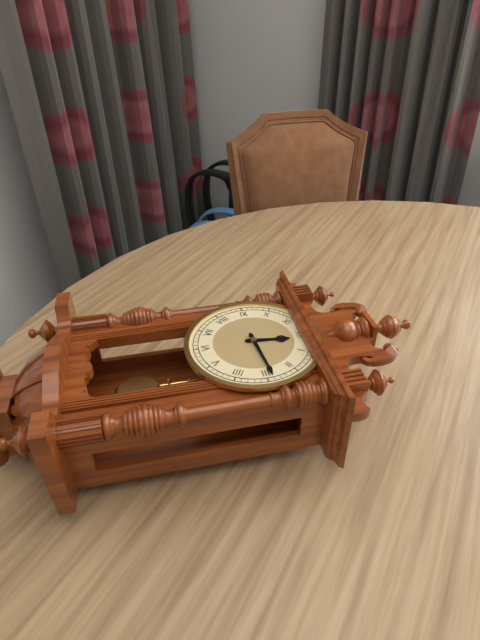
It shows 12h14
